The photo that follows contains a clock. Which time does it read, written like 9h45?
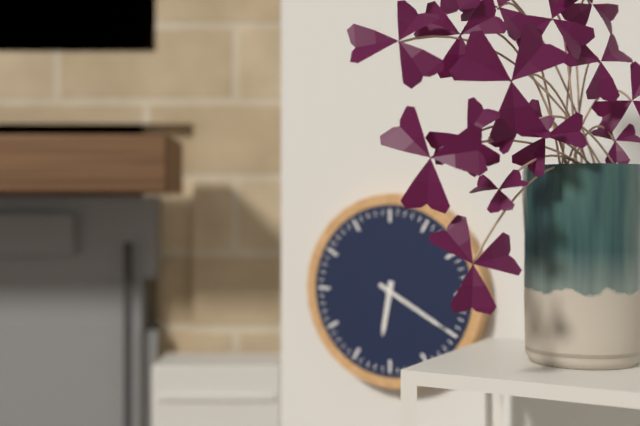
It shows 6h20
